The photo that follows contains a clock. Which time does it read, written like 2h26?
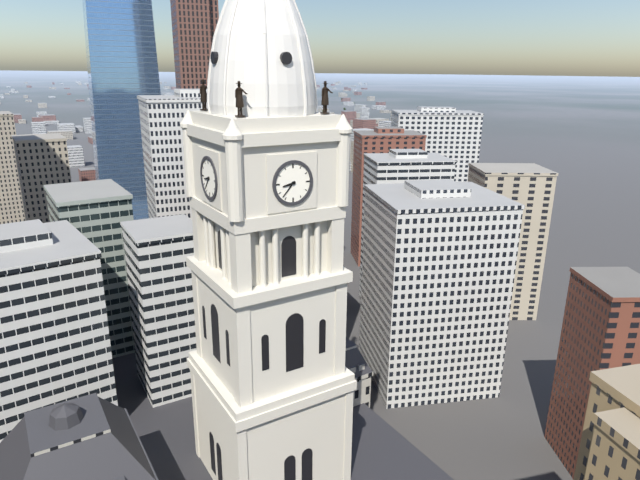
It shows 8h37
